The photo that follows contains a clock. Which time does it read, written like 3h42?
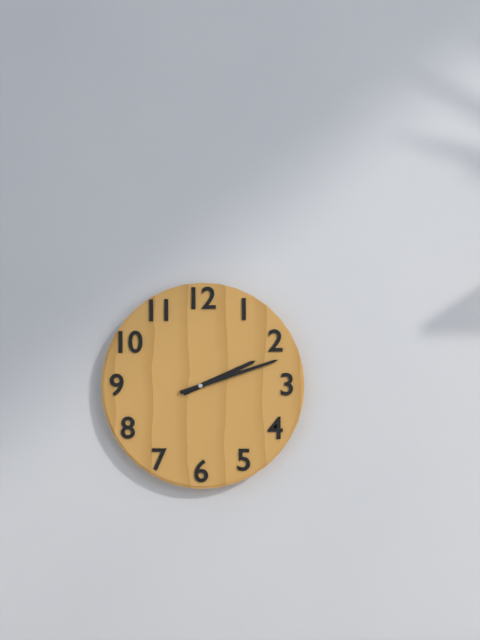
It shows 2h12
